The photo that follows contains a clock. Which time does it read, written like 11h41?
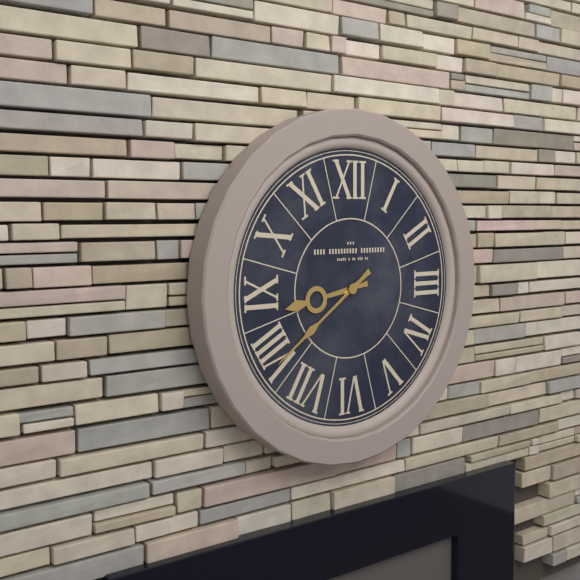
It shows 8h39
